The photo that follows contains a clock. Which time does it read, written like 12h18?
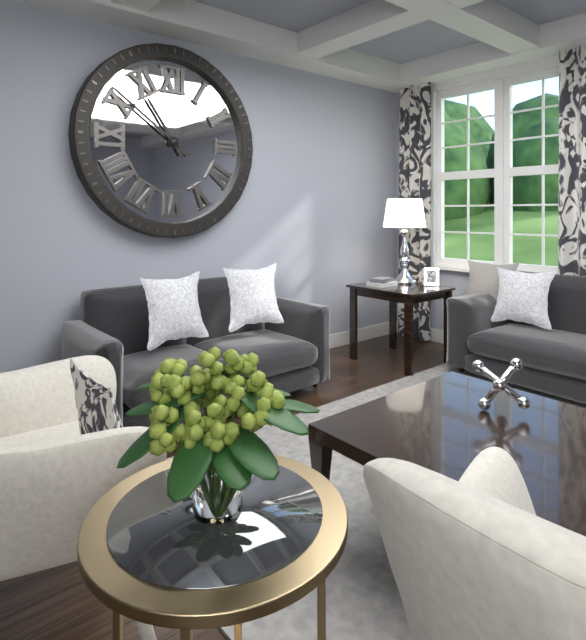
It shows 10h51
